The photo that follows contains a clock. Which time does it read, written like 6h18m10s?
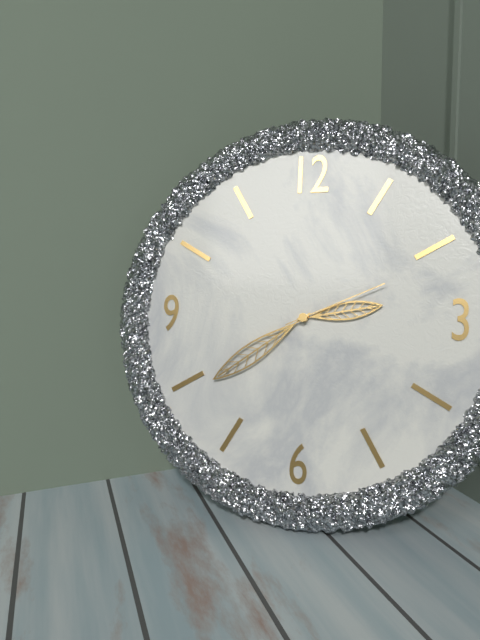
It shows 2h39m11s
